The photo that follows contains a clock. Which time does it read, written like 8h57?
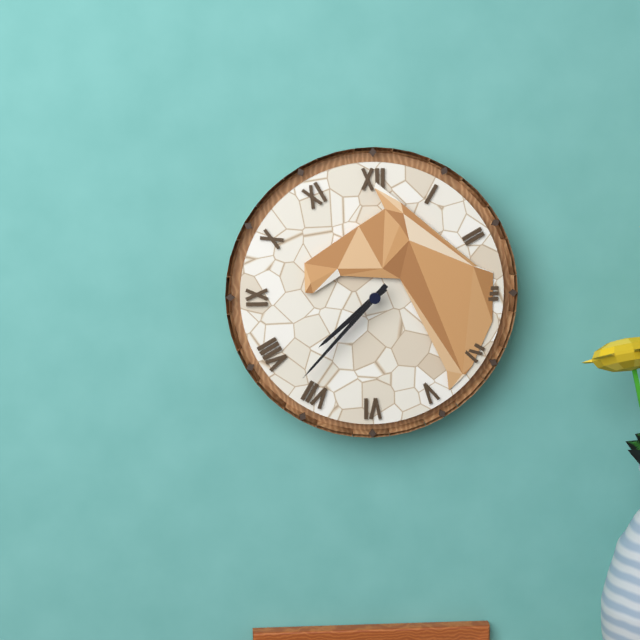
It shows 7h37
